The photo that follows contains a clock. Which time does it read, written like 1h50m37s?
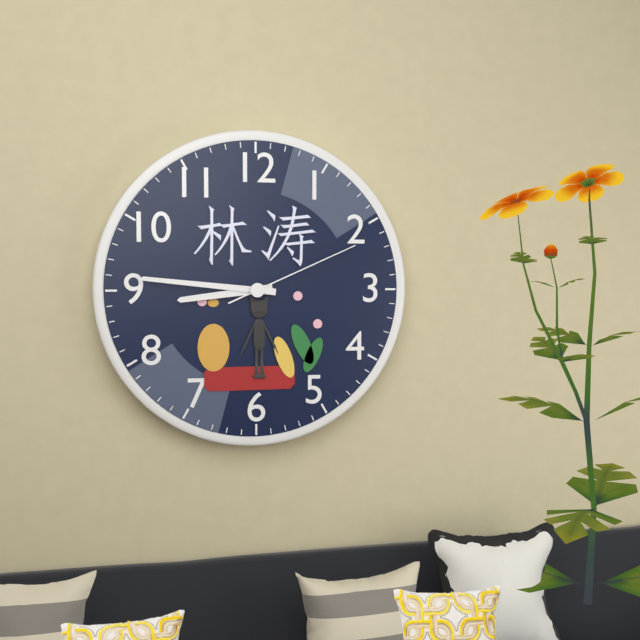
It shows 8h46m11s
